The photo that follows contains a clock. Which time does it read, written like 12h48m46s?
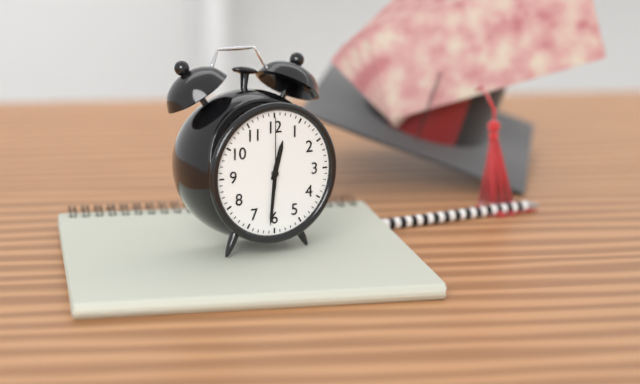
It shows 12h31m00s
